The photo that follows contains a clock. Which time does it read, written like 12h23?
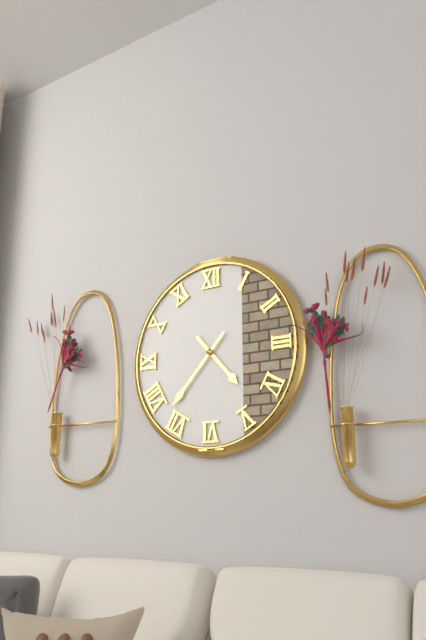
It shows 4h37
